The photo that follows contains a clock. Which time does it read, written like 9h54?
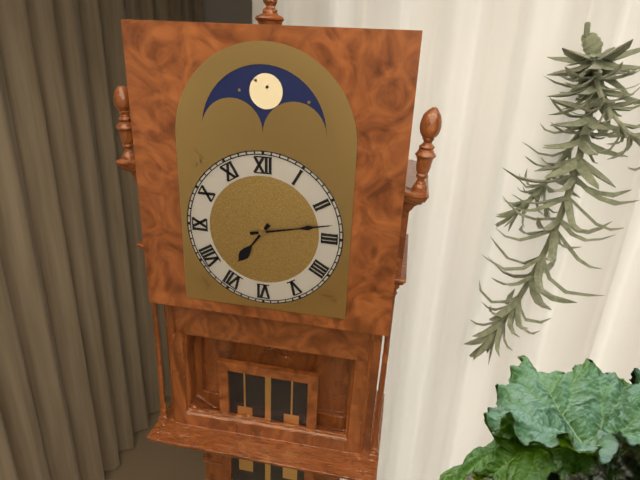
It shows 7h13
